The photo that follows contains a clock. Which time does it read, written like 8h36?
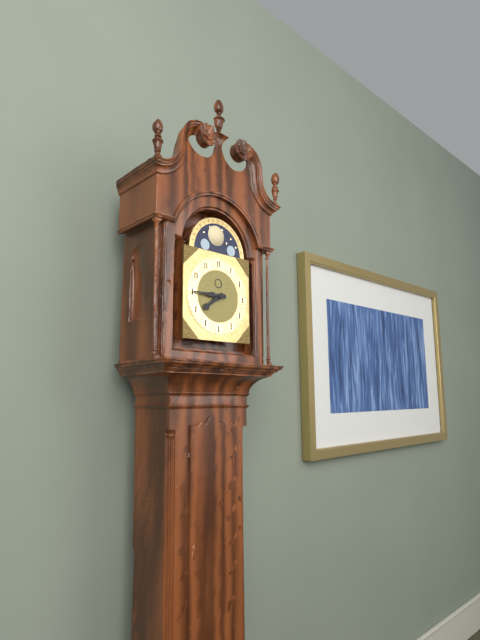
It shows 7h45
